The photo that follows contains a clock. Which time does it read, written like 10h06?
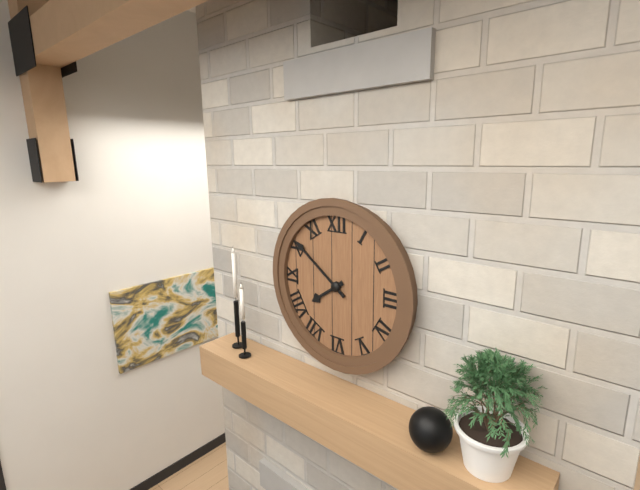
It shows 7h51
